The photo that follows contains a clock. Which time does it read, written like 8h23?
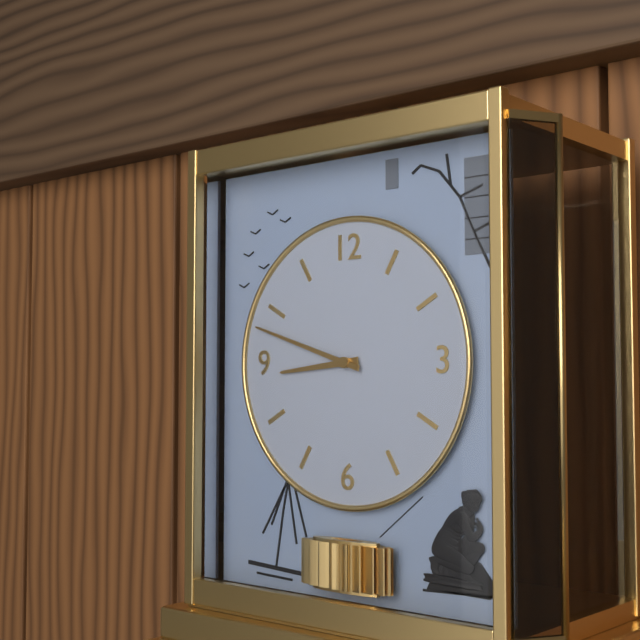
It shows 8h48
